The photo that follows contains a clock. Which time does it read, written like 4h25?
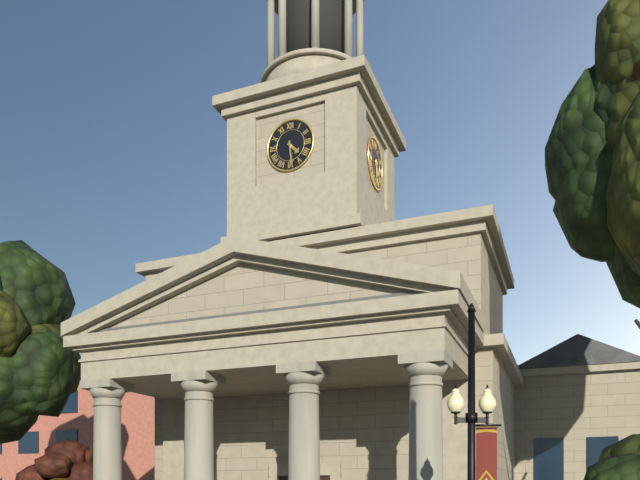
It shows 4h29
